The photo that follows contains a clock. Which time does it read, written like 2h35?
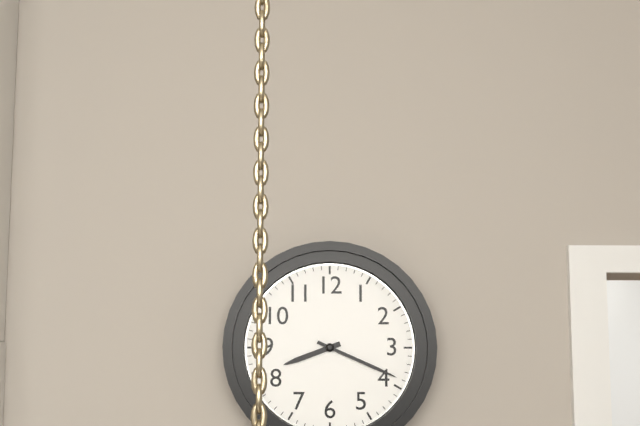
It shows 8h19
